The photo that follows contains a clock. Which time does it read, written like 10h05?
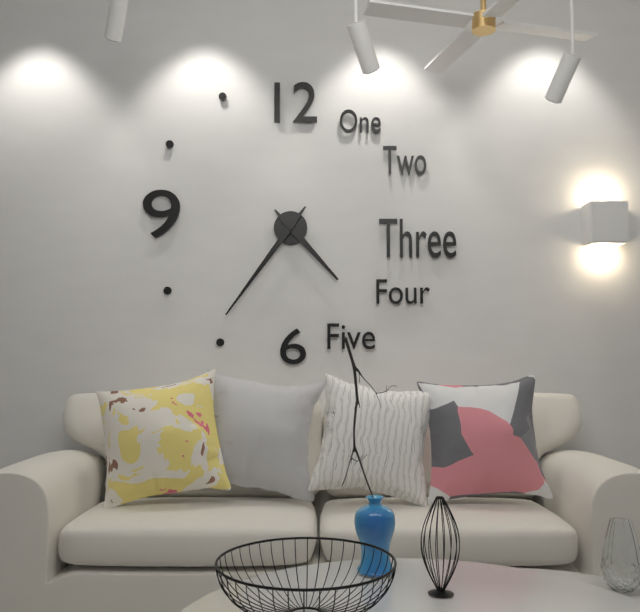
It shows 4h36
